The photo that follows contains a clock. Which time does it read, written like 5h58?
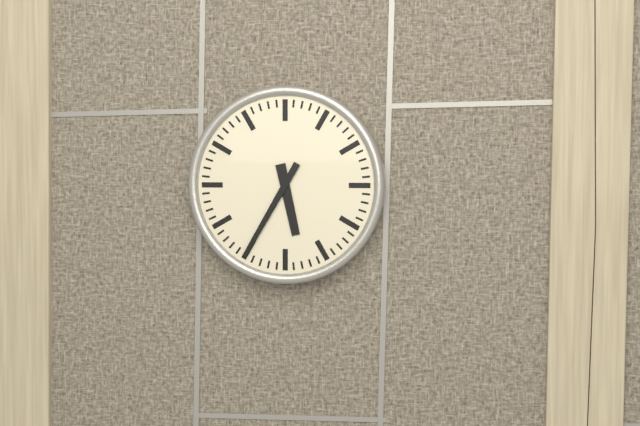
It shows 5h35
